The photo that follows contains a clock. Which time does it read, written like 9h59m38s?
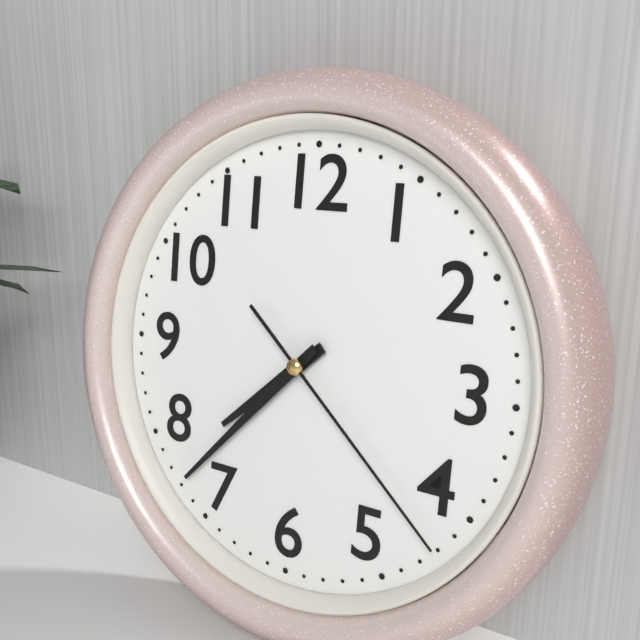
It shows 7h37m22s
